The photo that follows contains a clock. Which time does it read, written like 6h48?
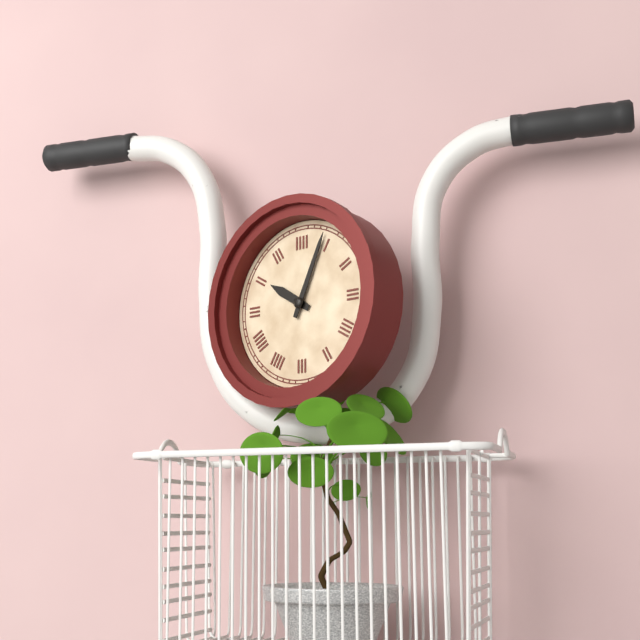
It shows 10h04
